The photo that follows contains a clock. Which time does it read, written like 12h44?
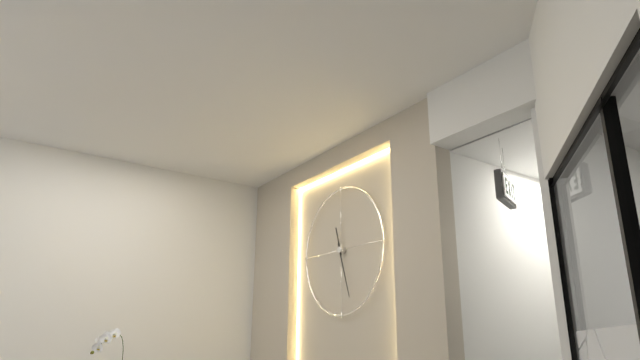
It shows 11h27
